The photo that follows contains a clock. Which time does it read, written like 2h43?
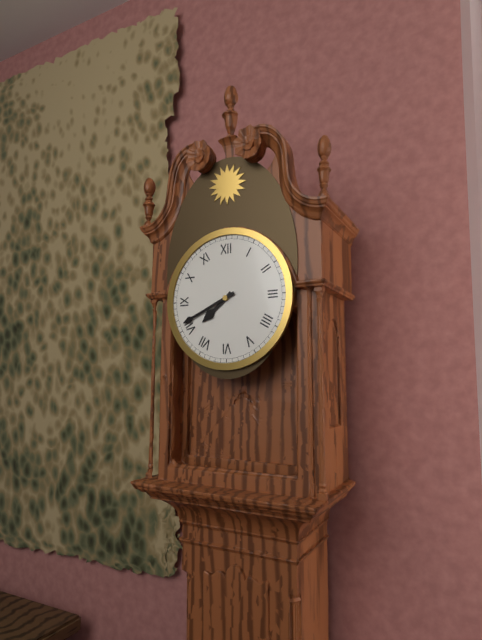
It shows 7h41
